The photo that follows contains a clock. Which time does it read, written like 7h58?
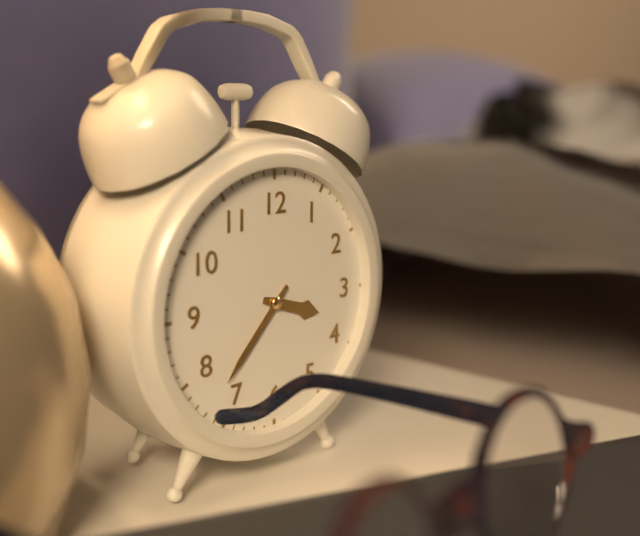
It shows 3h37
